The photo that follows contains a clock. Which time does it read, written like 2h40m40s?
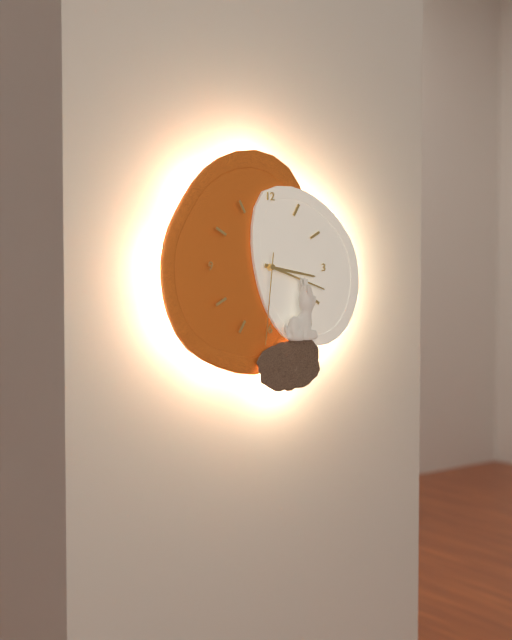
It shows 3h18m31s
